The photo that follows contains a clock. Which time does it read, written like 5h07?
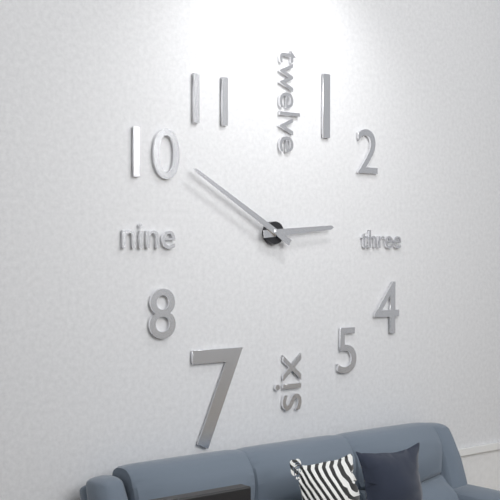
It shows 2h50
